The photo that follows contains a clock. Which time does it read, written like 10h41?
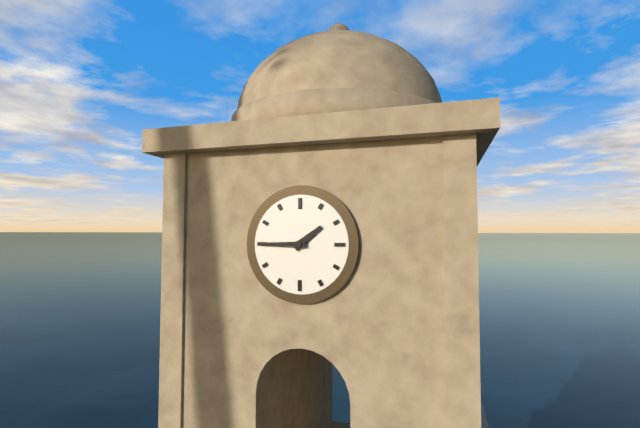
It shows 1h45
